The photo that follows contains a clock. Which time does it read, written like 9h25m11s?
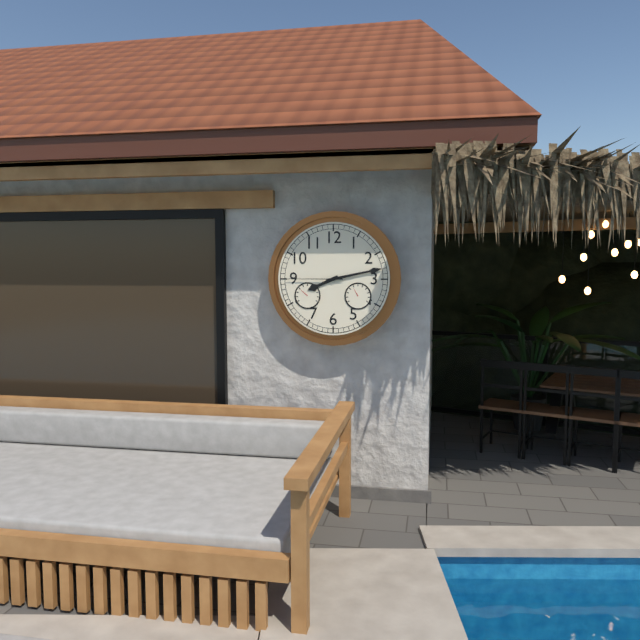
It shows 8h13m45s
